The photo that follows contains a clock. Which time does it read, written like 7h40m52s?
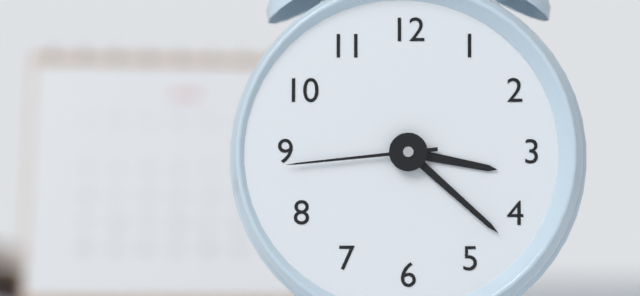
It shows 3h22m44s
